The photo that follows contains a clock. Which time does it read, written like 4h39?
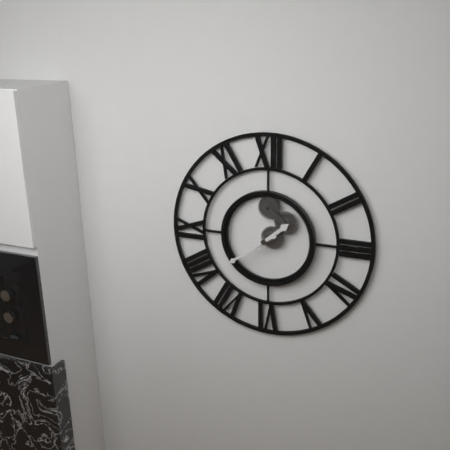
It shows 1h39
